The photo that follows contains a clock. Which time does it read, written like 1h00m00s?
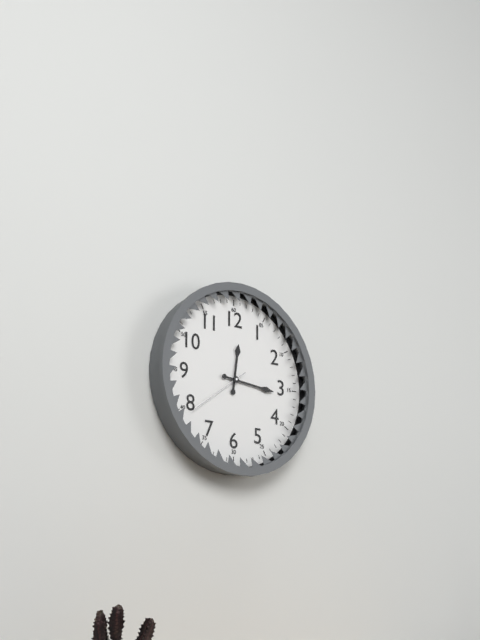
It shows 12h16m39s
